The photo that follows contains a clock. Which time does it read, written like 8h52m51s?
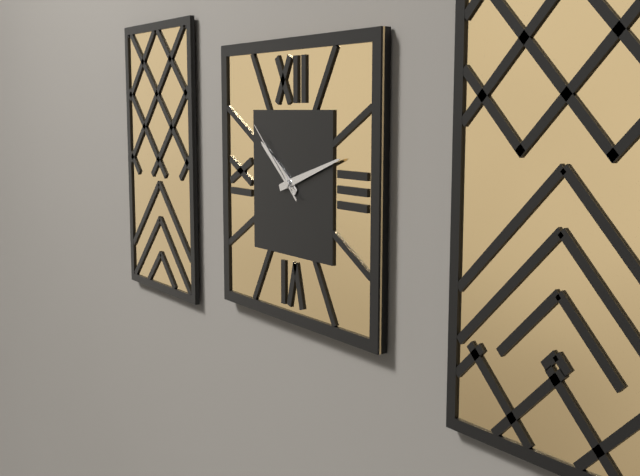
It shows 10h12m52s
